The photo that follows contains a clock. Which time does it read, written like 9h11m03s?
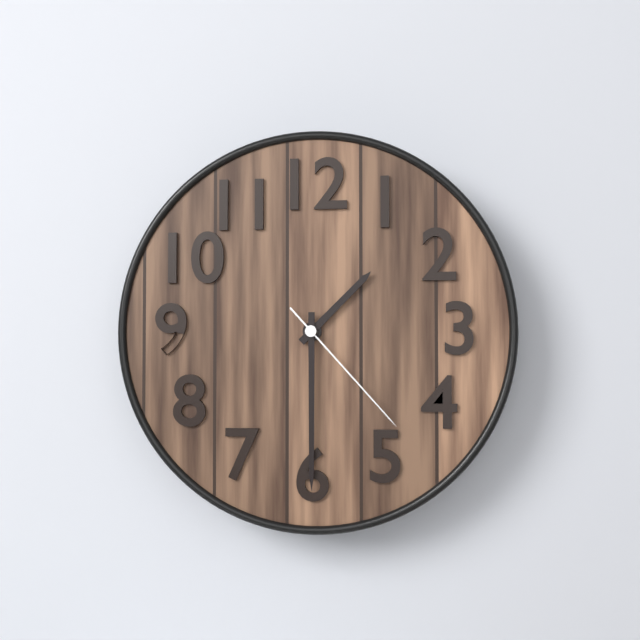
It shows 1h30m23s
